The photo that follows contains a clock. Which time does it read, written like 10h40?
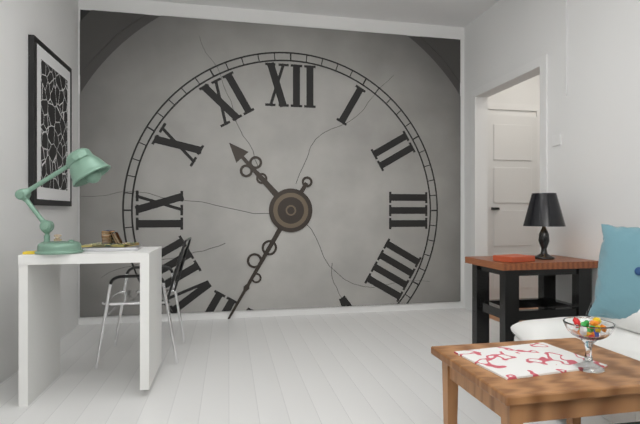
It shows 10h35
